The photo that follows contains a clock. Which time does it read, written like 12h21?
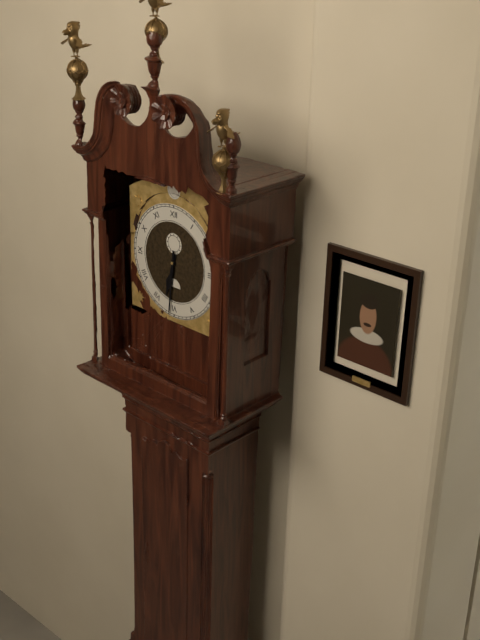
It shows 6h31
